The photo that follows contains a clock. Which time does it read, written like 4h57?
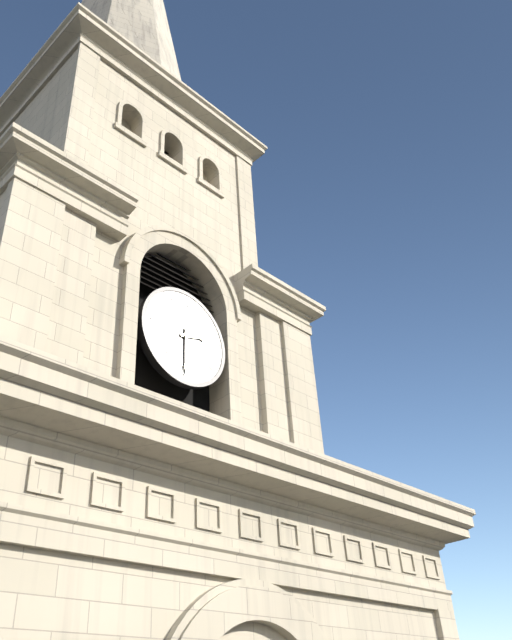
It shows 2h30
